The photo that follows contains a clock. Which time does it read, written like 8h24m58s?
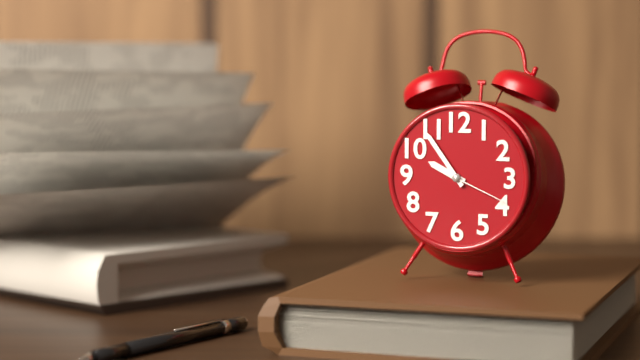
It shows 9h54m19s
